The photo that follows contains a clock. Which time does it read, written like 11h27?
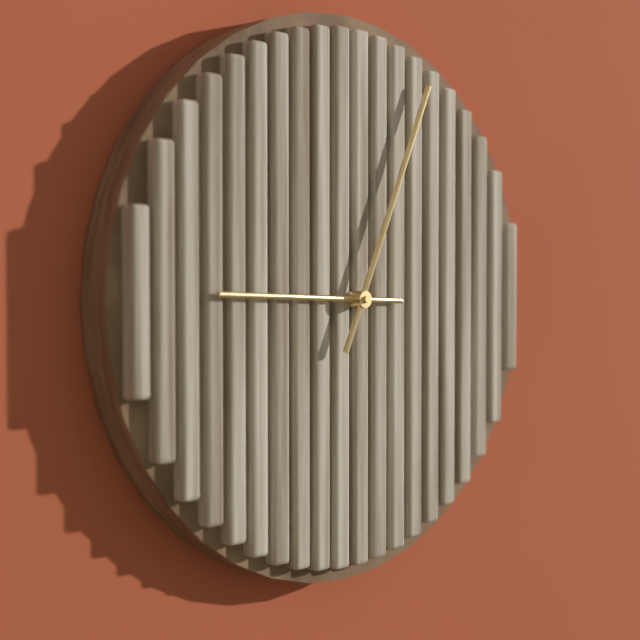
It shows 9h04
